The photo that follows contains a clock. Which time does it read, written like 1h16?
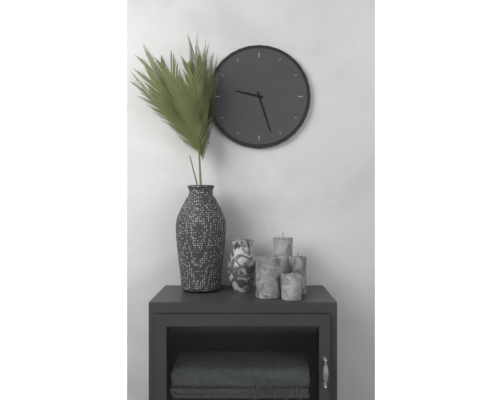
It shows 9h27
